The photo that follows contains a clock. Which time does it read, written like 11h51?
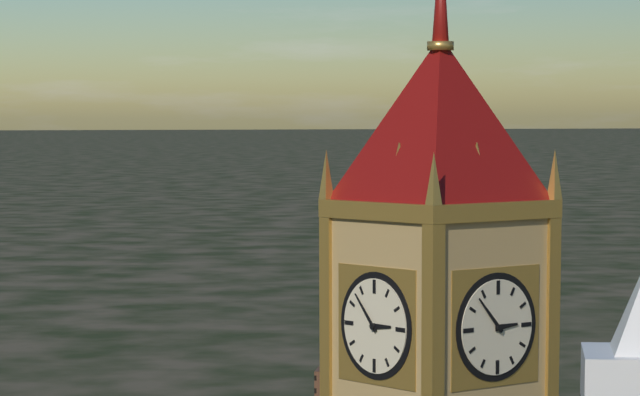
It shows 2h53
